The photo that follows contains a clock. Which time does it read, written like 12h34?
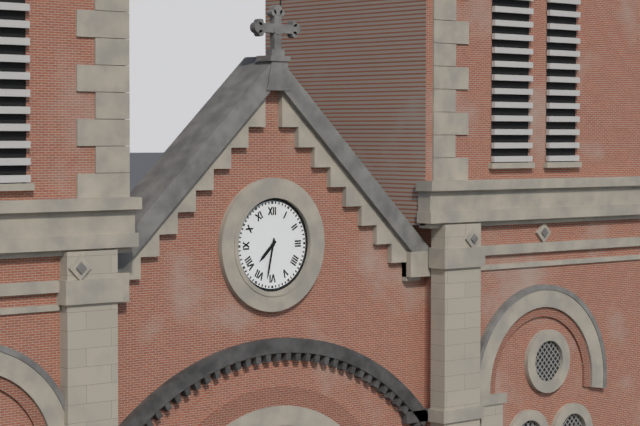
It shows 7h32
